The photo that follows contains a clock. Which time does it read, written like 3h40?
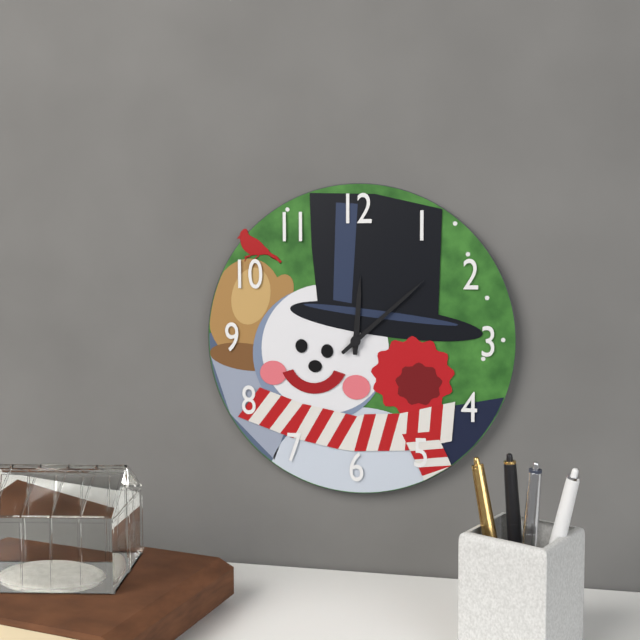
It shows 12h08
